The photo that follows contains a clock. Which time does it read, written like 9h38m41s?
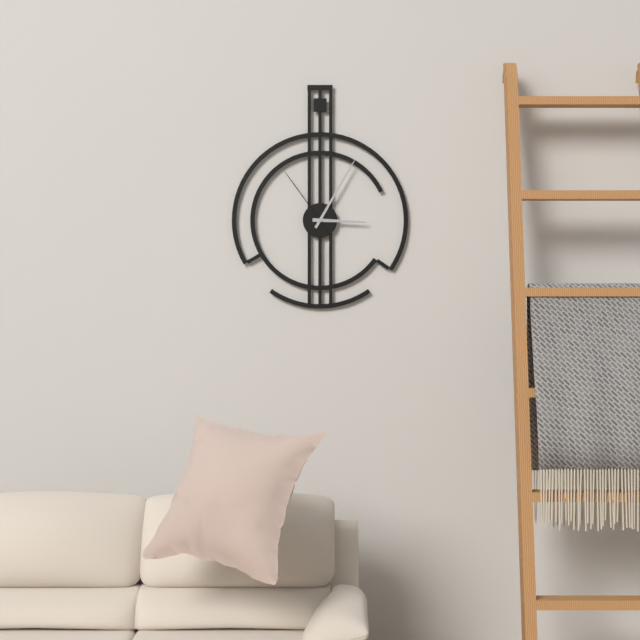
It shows 3h05m54s
